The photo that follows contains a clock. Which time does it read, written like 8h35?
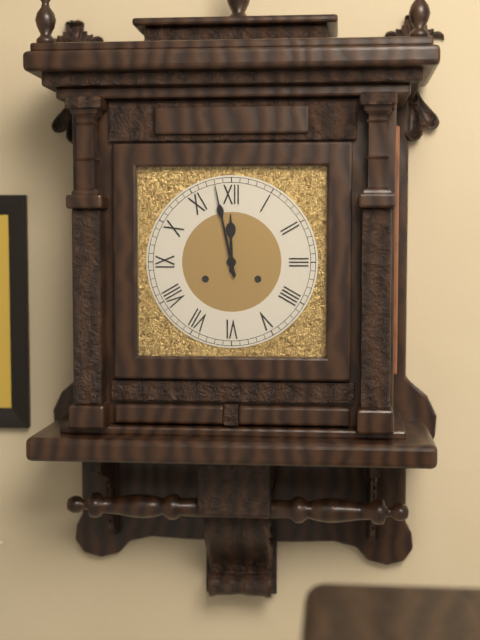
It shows 11h58
